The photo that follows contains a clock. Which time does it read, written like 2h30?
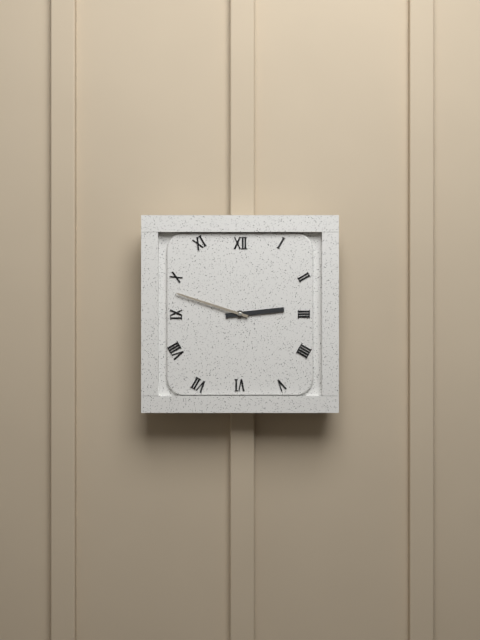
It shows 2h48
